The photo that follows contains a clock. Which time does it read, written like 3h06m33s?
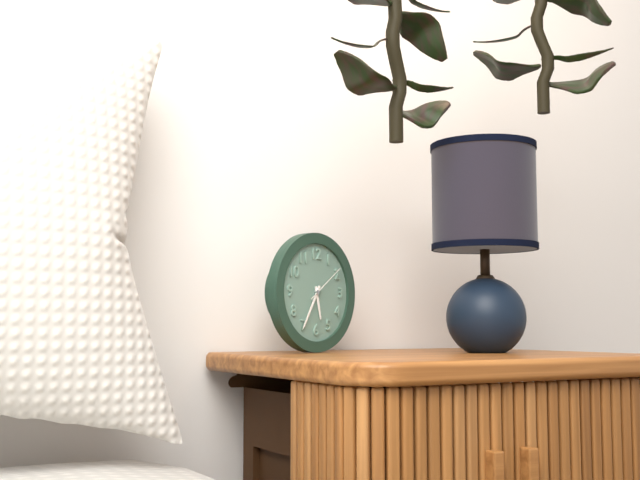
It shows 5h35m09s
